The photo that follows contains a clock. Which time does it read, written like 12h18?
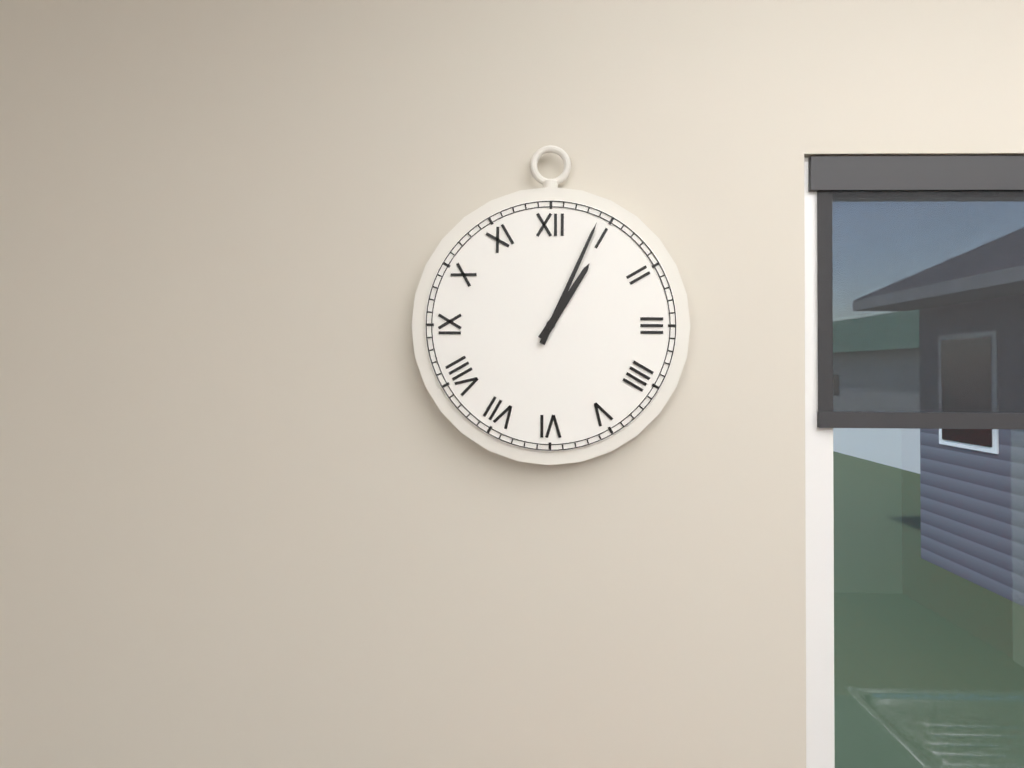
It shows 1h04
